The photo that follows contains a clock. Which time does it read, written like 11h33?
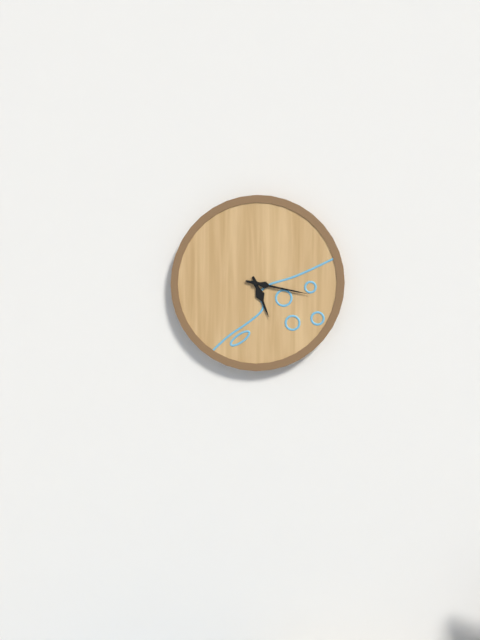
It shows 5h17
